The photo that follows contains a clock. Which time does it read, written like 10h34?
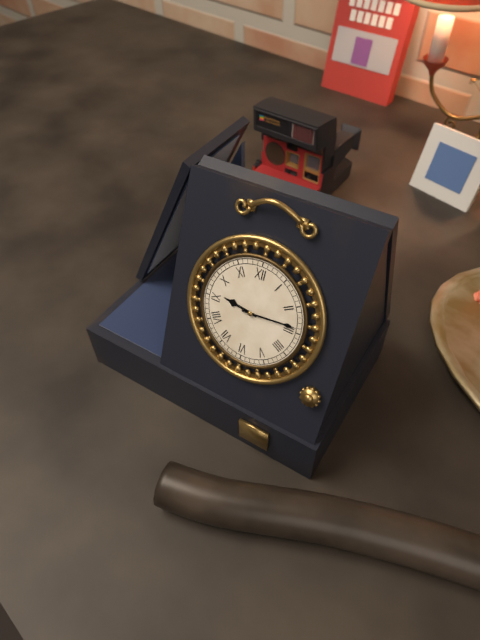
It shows 9h14
